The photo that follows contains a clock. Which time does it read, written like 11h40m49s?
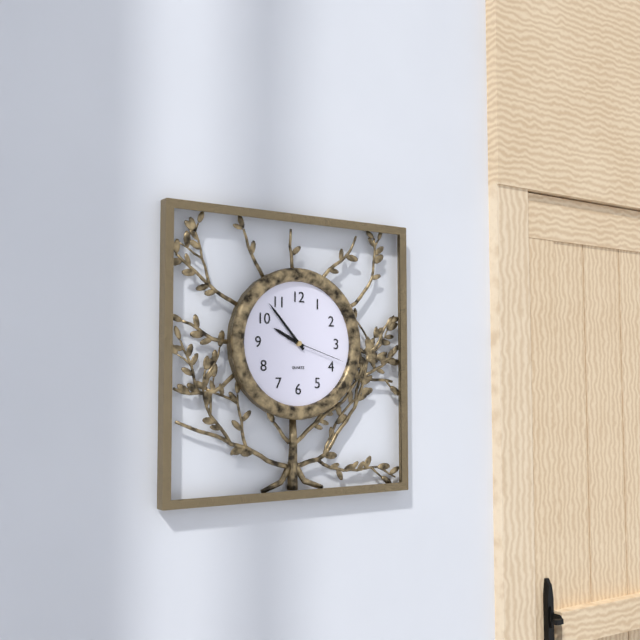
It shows 9h53m18s
